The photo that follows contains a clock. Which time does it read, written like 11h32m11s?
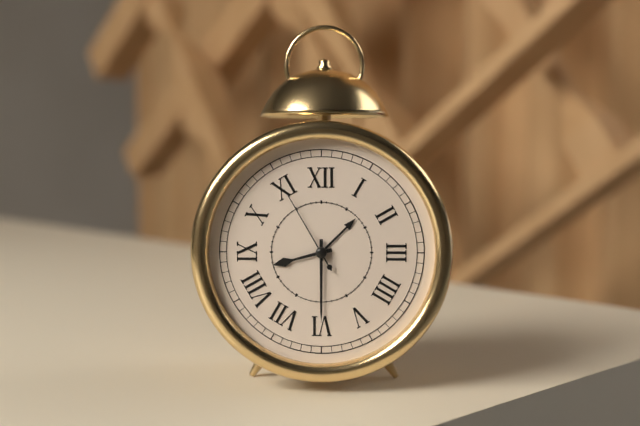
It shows 8h30m55s
